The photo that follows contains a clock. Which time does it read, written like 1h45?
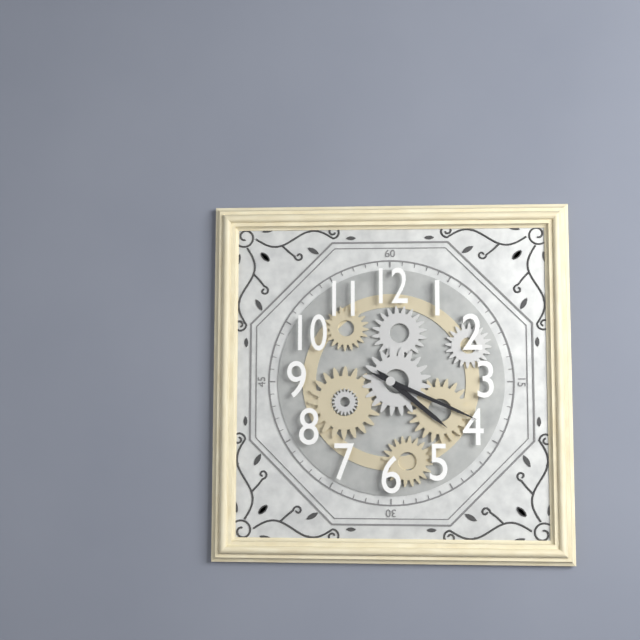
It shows 4h19
